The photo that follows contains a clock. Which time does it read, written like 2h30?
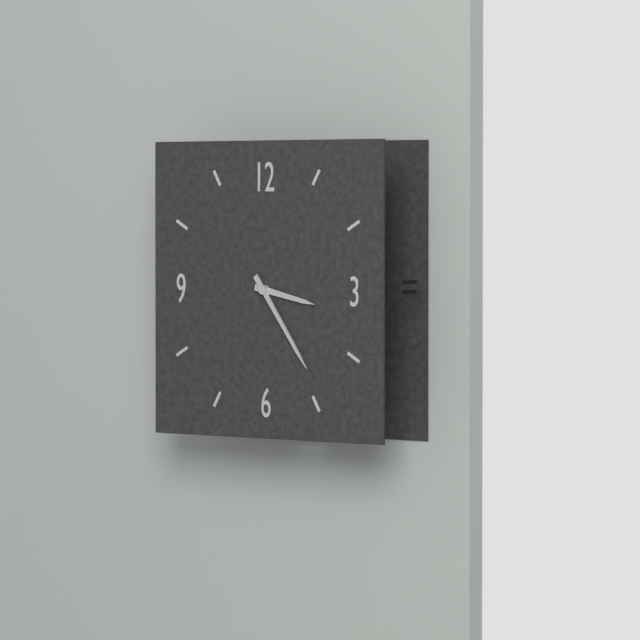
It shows 3h24
